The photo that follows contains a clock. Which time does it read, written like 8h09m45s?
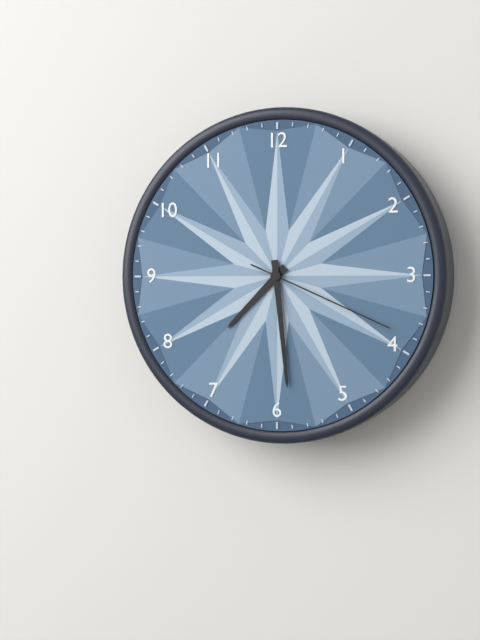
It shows 7h29m19s
